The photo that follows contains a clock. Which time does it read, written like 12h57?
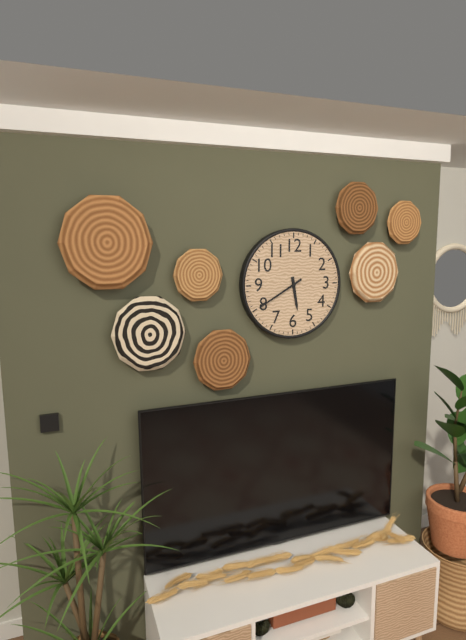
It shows 5h40
